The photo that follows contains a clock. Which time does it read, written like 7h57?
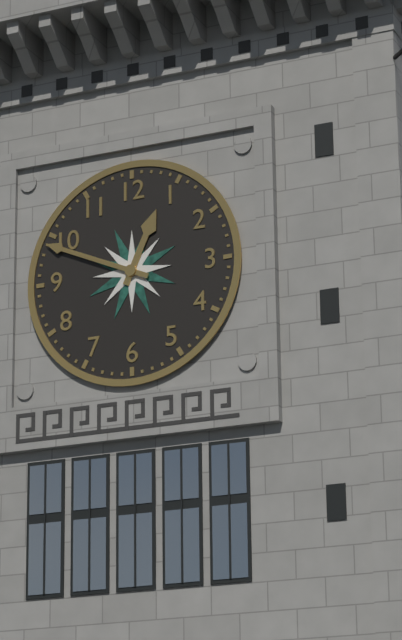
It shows 12h49
